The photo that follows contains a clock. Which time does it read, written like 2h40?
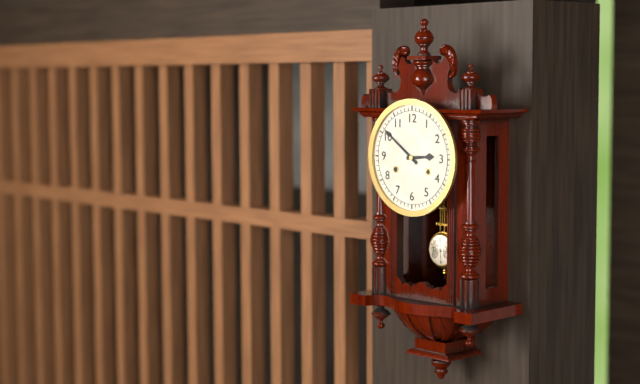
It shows 2h51
